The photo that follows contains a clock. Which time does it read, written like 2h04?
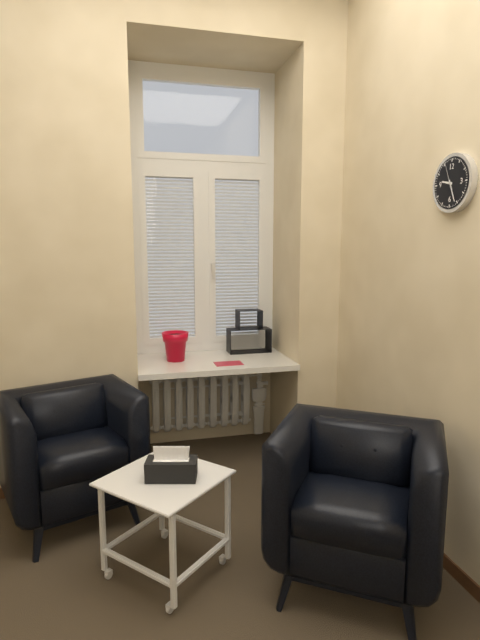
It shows 9h26
